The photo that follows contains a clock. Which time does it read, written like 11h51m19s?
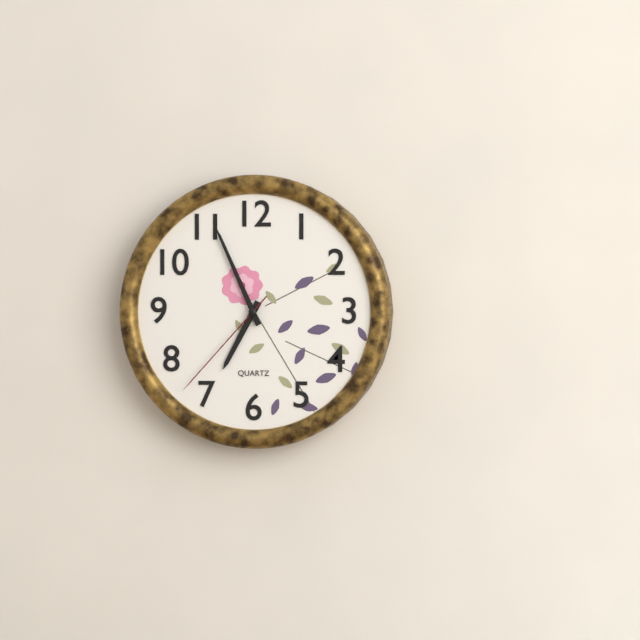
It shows 6h56m37s
